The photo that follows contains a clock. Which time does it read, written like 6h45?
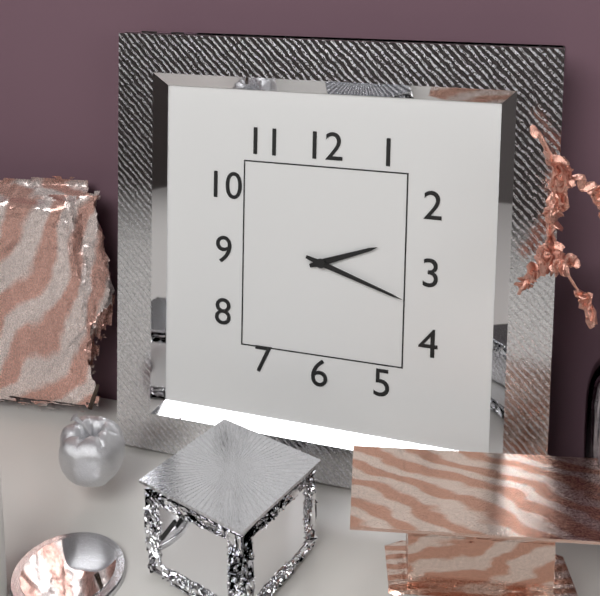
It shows 2h18
